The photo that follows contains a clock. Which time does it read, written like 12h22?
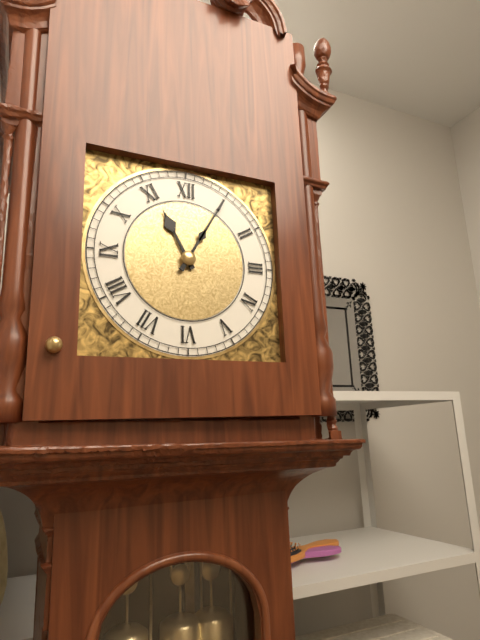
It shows 11h05
